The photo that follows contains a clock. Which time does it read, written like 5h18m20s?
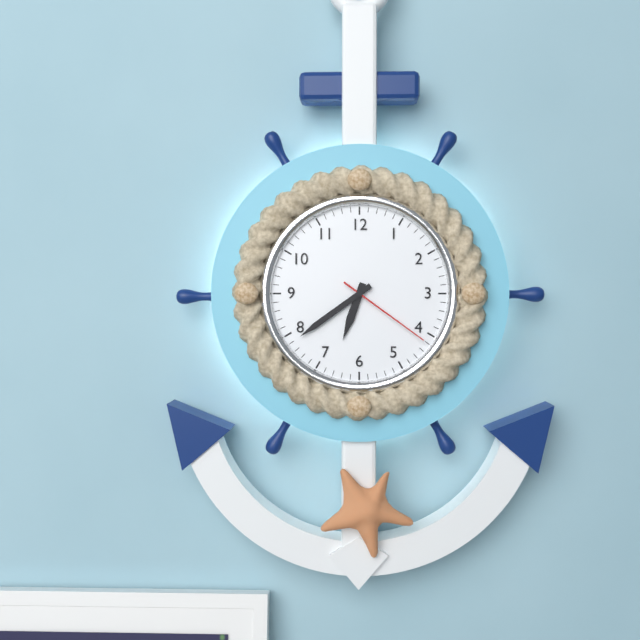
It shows 6h39m21s
